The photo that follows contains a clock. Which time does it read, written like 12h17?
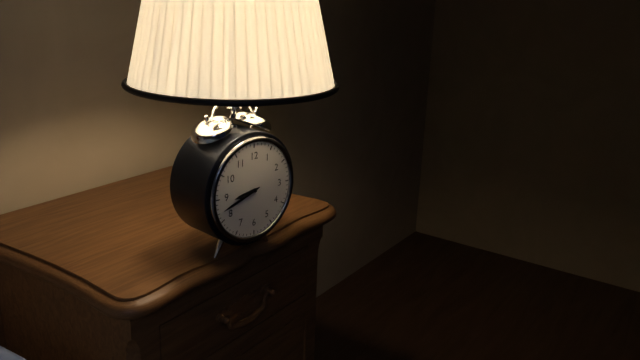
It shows 8h42
